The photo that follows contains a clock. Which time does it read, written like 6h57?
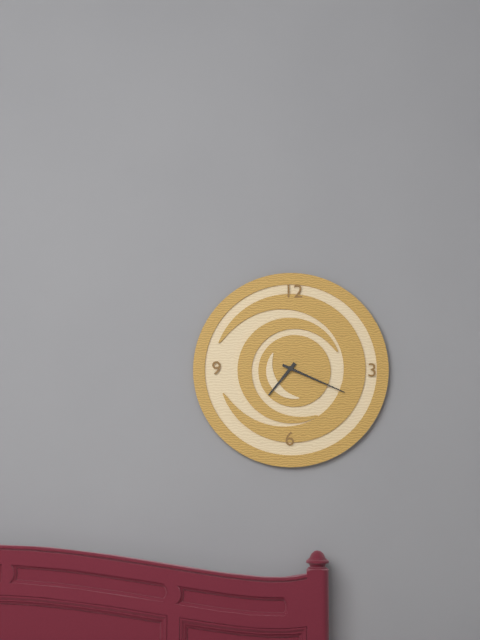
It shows 7h19
